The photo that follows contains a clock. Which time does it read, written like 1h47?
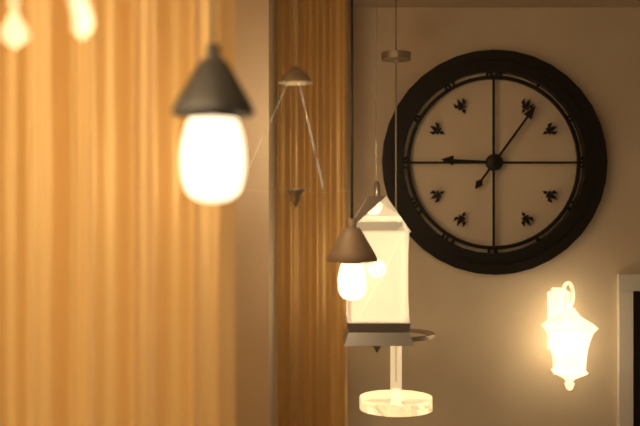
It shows 9h06
